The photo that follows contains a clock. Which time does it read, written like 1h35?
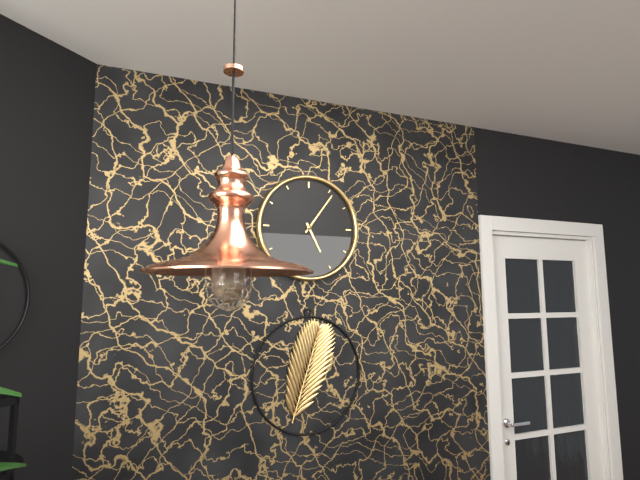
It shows 5h06
